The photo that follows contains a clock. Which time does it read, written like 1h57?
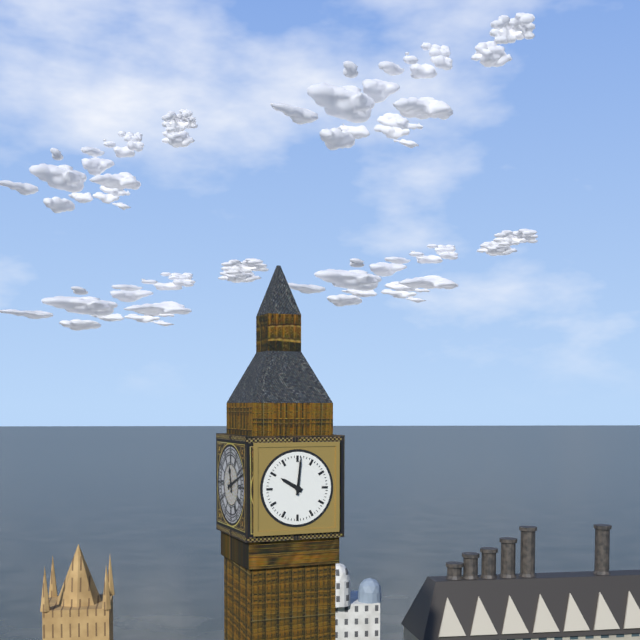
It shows 10h01
